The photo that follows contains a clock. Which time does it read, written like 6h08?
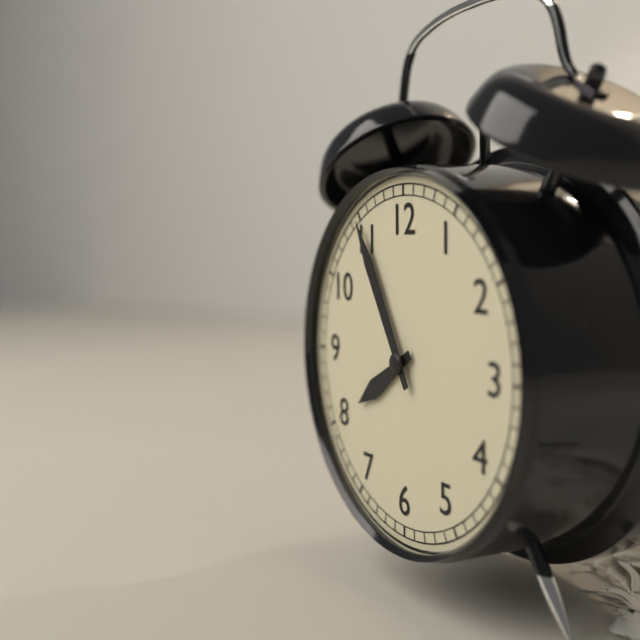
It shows 7h55
